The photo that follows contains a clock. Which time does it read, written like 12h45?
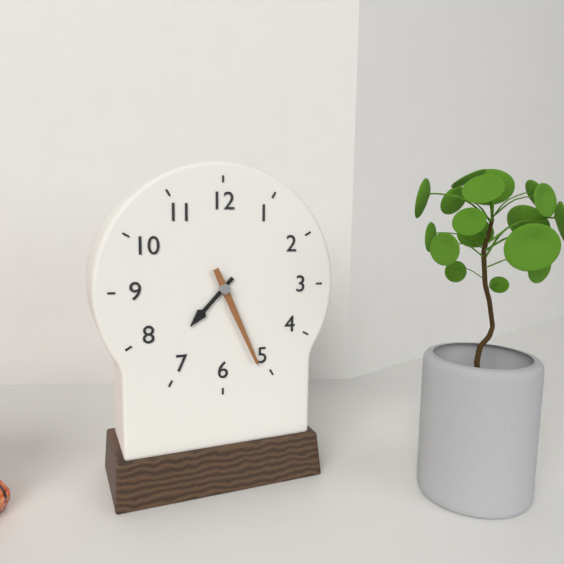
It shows 7h26
